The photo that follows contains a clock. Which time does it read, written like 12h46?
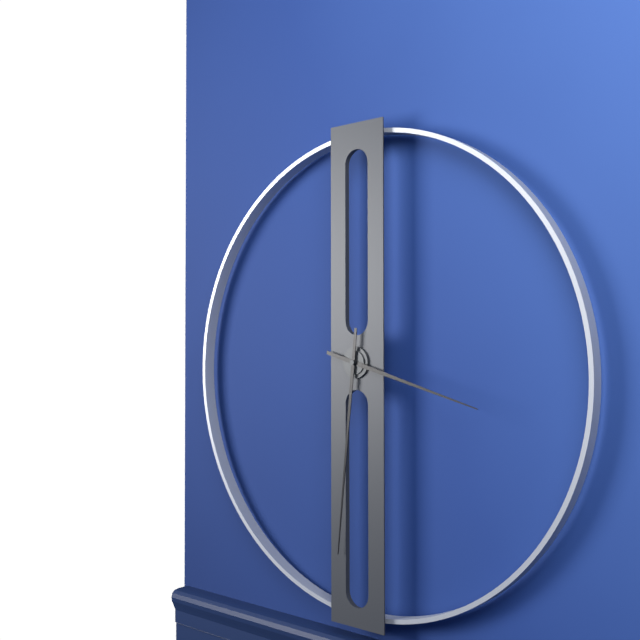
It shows 3h31
